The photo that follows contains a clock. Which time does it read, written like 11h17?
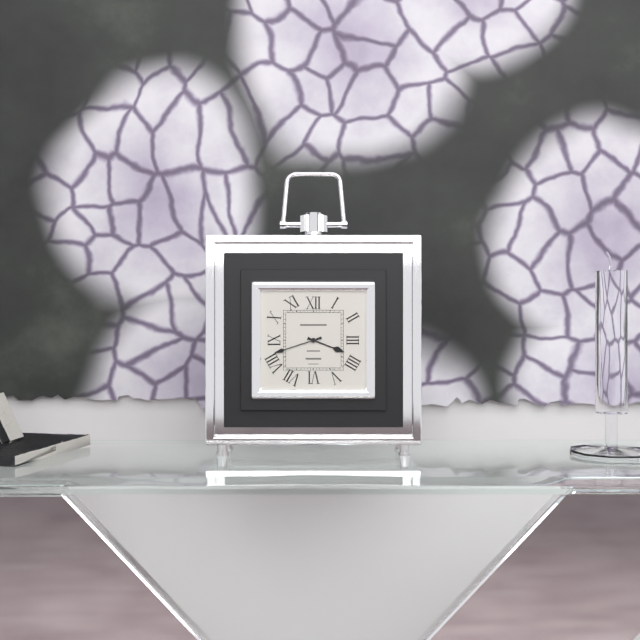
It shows 3h42
